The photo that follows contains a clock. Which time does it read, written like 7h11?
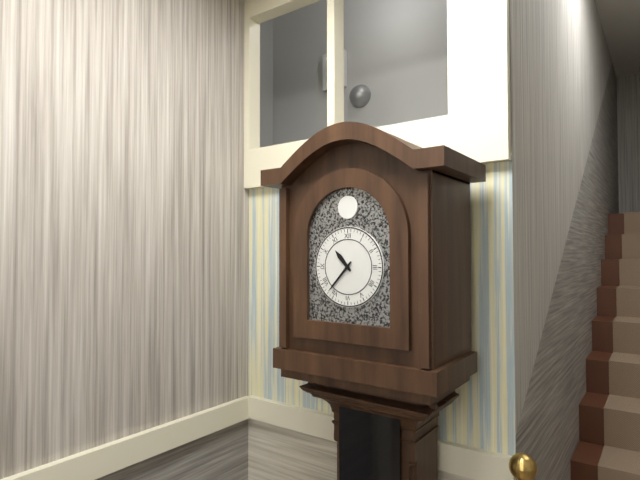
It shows 10h37
